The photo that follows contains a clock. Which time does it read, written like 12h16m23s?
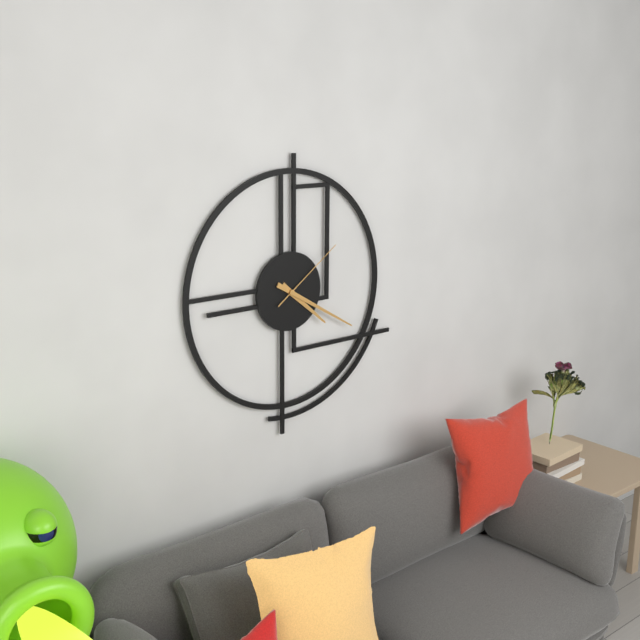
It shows 4h20m09s
